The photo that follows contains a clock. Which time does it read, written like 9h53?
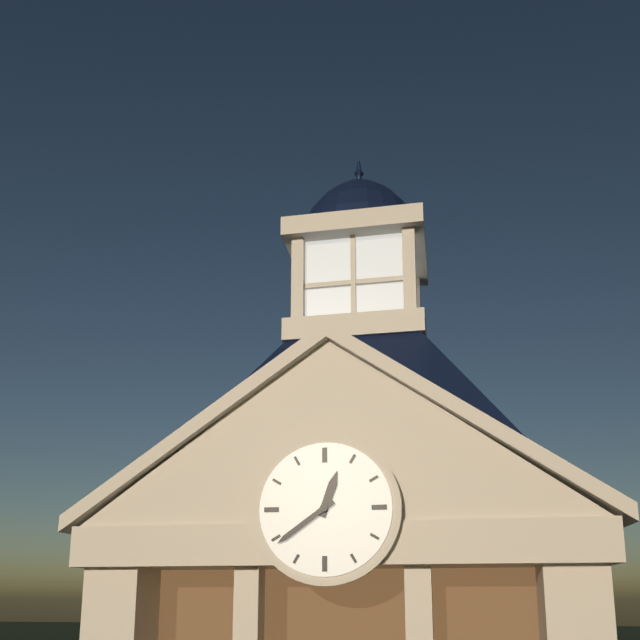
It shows 12h39
